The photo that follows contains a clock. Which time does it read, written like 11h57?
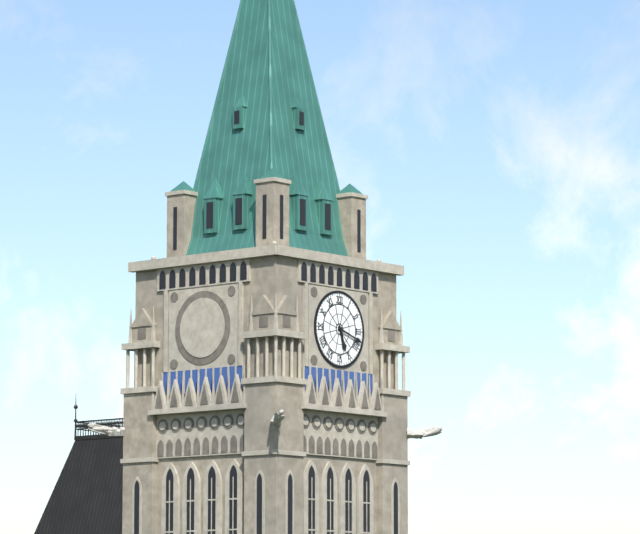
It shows 5h18
